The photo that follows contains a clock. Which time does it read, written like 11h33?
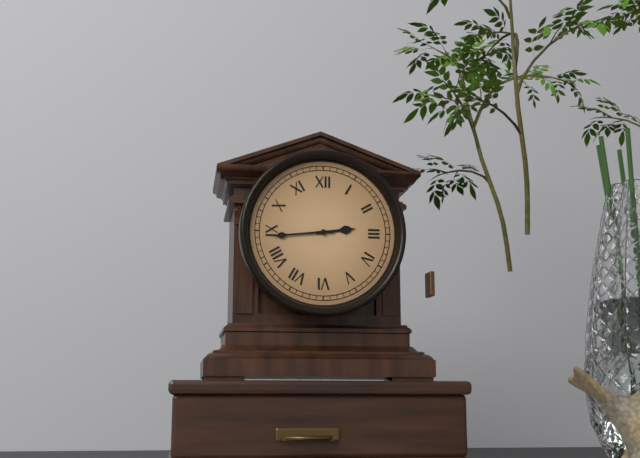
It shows 2h44
